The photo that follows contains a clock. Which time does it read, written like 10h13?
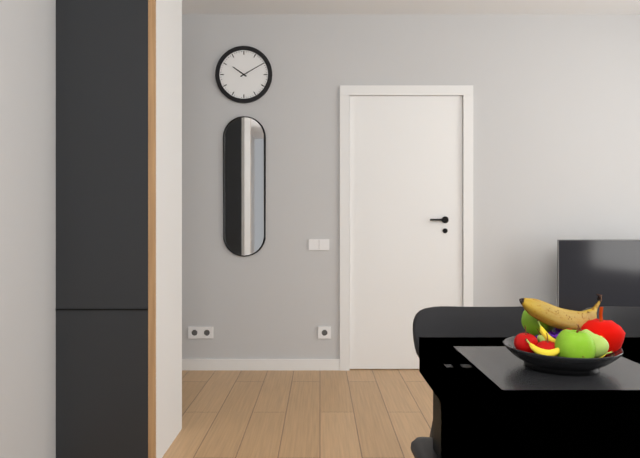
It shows 10h10
